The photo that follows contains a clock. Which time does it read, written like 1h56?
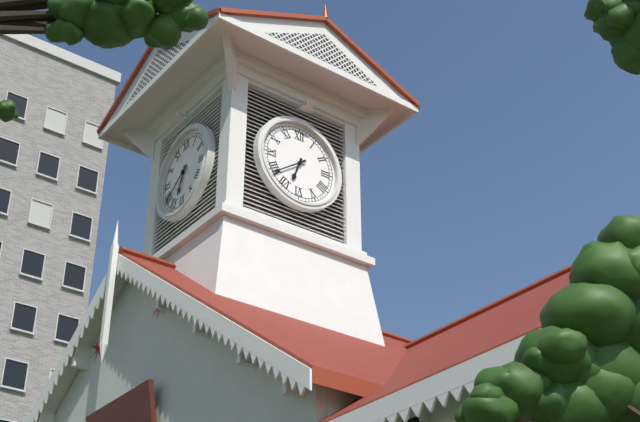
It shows 6h39
